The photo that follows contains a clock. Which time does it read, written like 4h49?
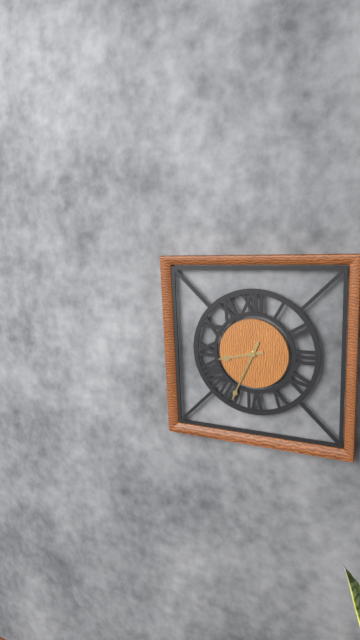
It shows 8h34
